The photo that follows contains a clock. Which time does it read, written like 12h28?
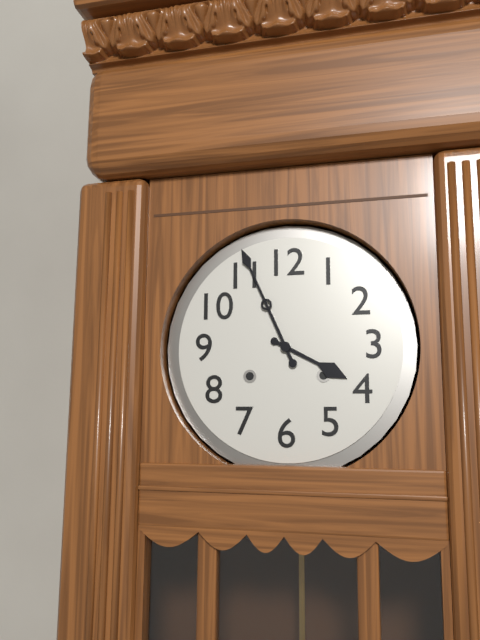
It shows 3h56
